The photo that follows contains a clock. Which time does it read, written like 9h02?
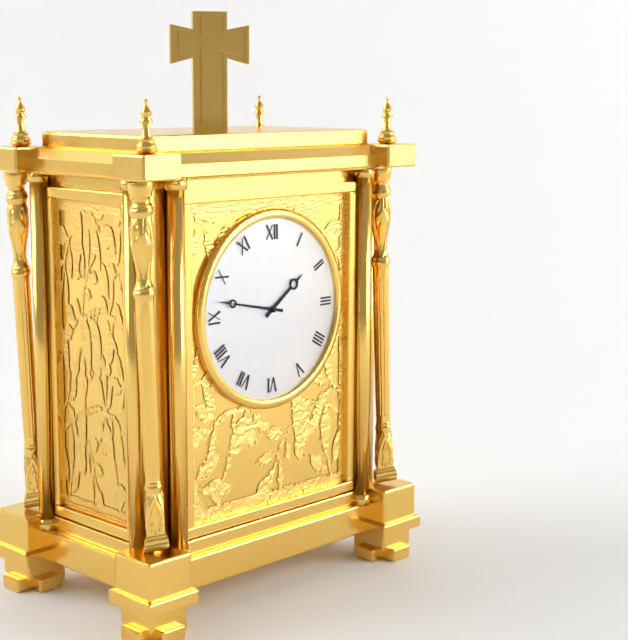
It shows 1h47
